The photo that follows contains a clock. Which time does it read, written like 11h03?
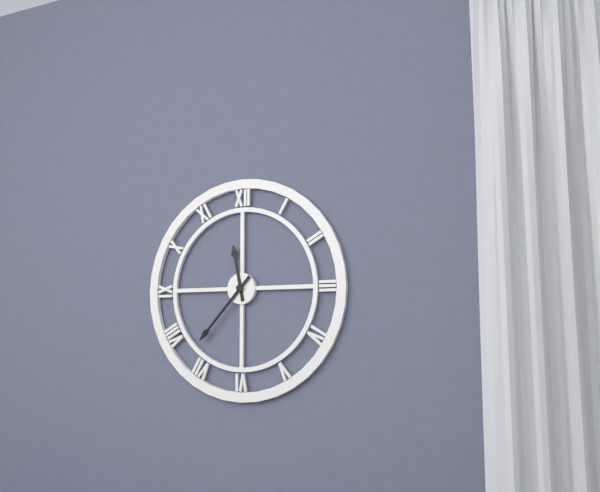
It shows 11h37
